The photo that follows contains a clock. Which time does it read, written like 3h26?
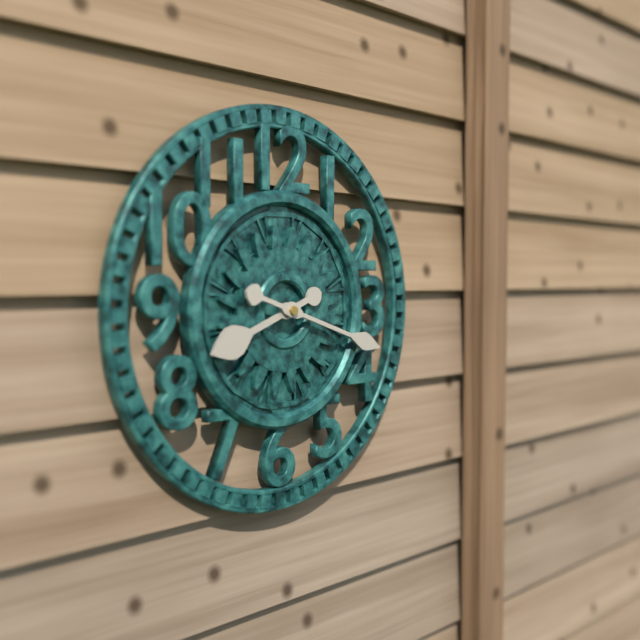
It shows 8h18
